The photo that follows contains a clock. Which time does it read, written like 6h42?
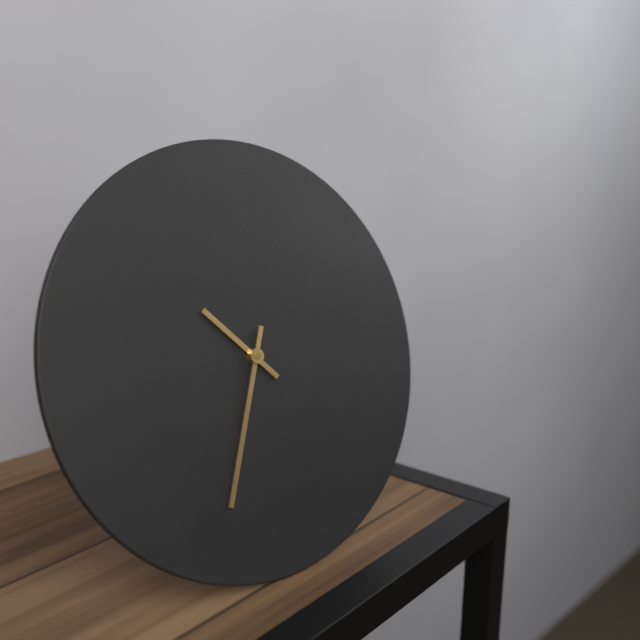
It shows 10h34
